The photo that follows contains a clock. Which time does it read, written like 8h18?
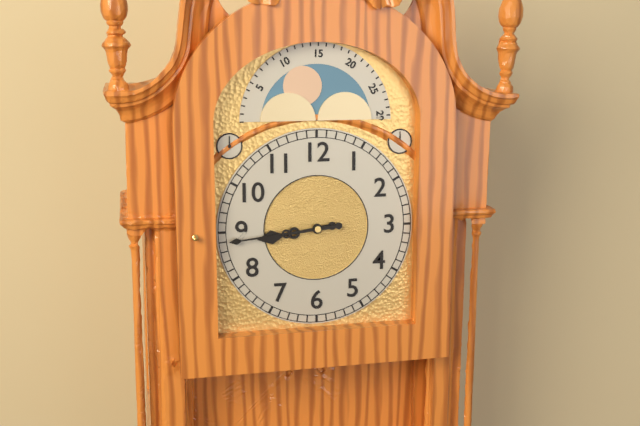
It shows 8h44
